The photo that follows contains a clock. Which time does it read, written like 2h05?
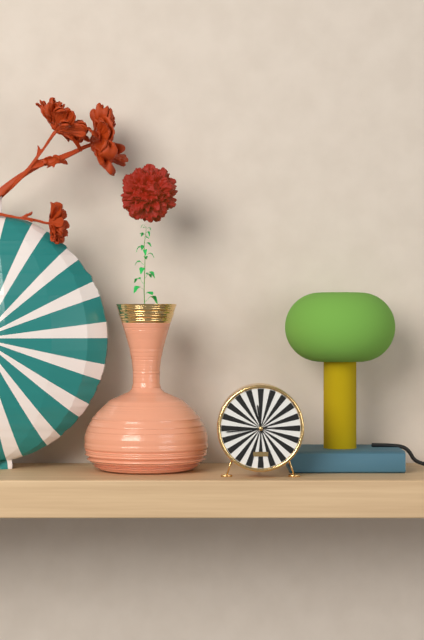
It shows 11h44
